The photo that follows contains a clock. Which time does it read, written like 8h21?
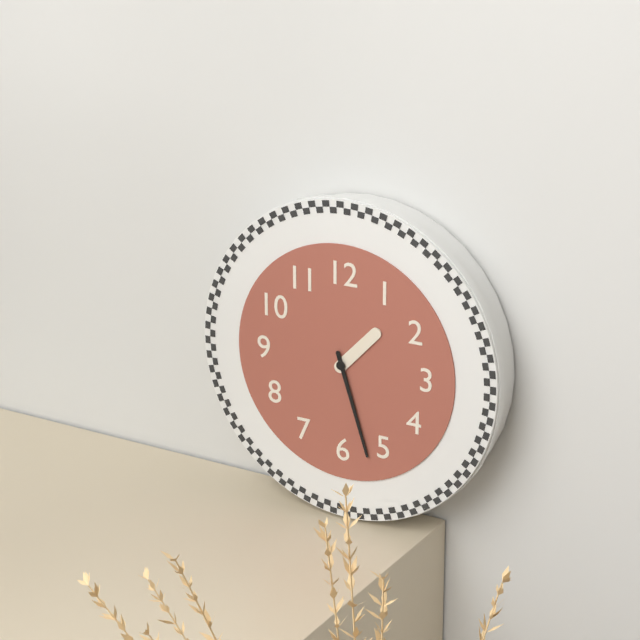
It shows 1h27
